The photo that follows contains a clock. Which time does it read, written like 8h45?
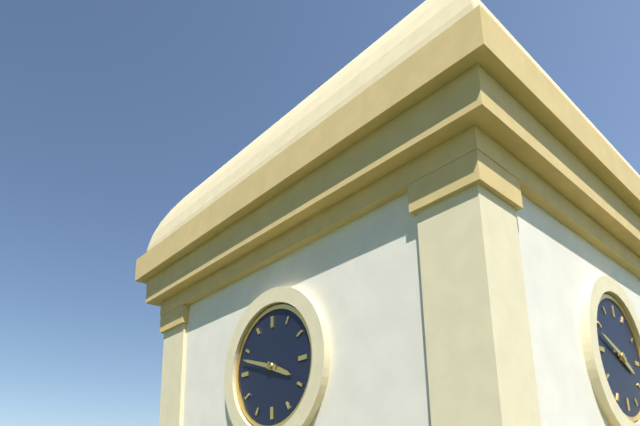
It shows 3h48
